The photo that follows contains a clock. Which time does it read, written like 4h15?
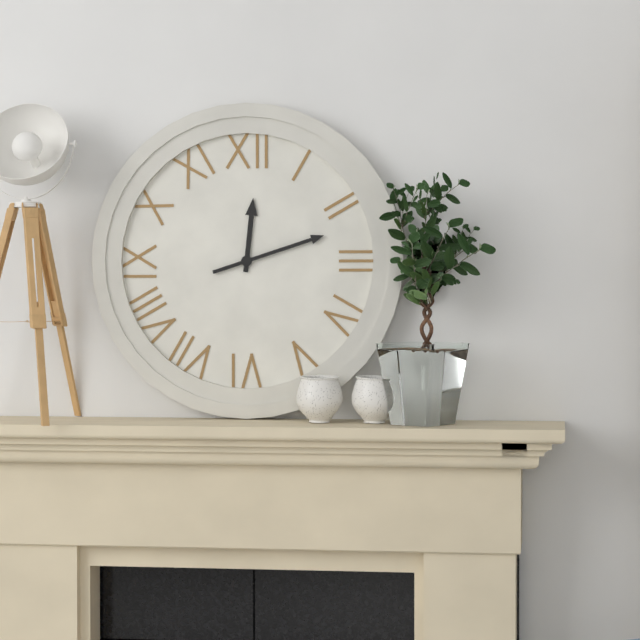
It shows 12h12
